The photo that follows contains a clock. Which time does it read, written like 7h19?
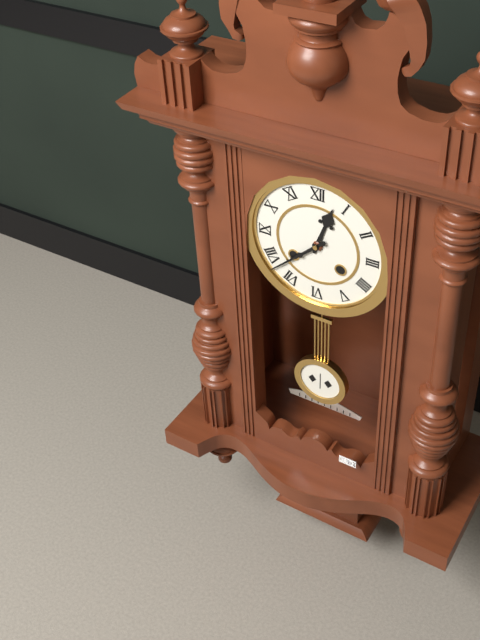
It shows 12h38
